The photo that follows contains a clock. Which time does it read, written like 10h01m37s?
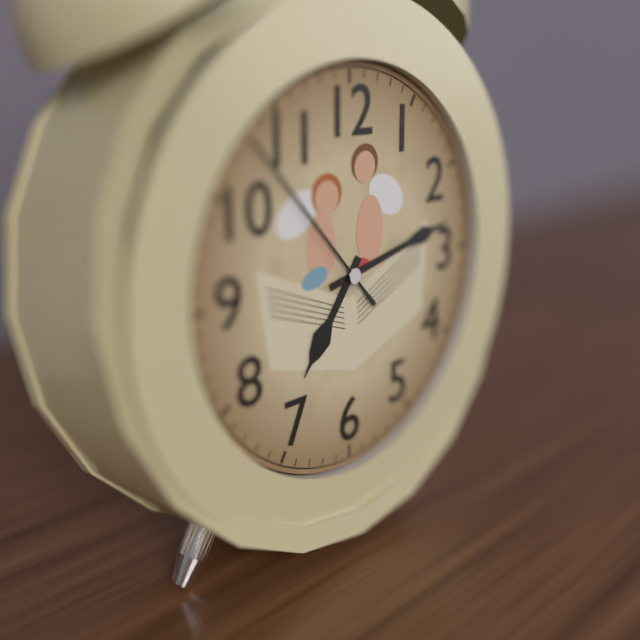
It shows 7h13m53s
